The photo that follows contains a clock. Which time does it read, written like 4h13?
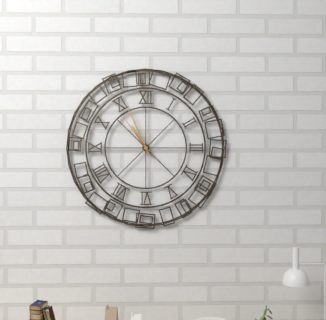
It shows 10h56
